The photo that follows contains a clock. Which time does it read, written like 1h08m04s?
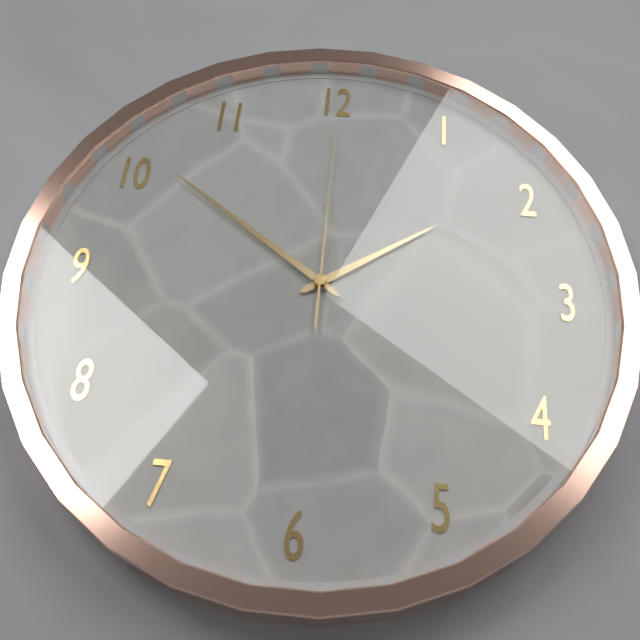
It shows 1h51m00s
